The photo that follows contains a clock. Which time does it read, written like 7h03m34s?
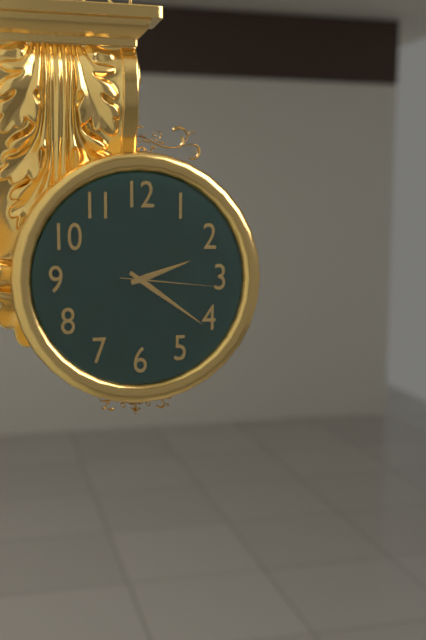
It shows 2h21m16s
